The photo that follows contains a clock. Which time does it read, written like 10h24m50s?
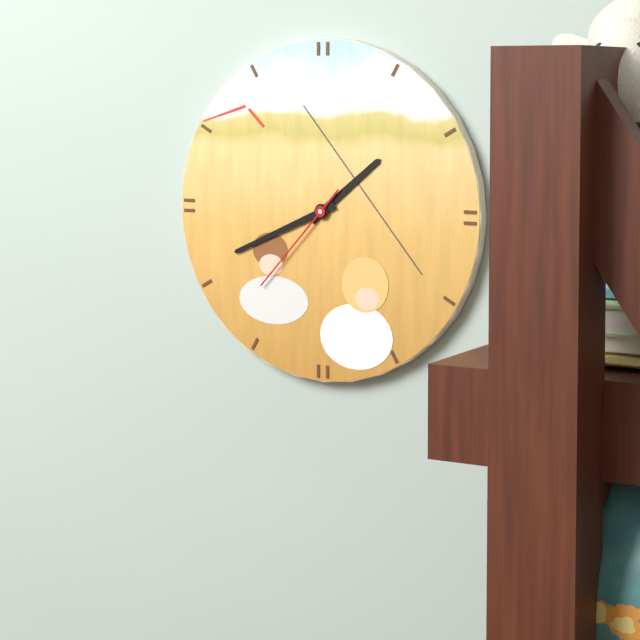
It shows 1h41m37s
